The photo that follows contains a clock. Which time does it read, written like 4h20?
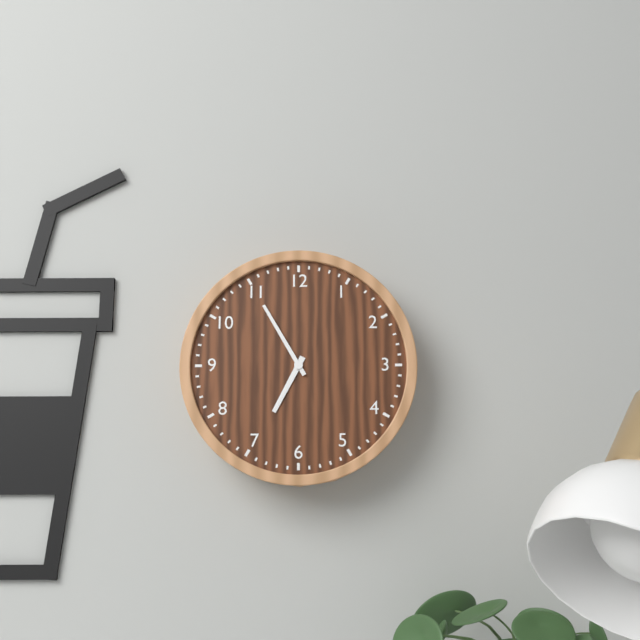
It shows 6h55
